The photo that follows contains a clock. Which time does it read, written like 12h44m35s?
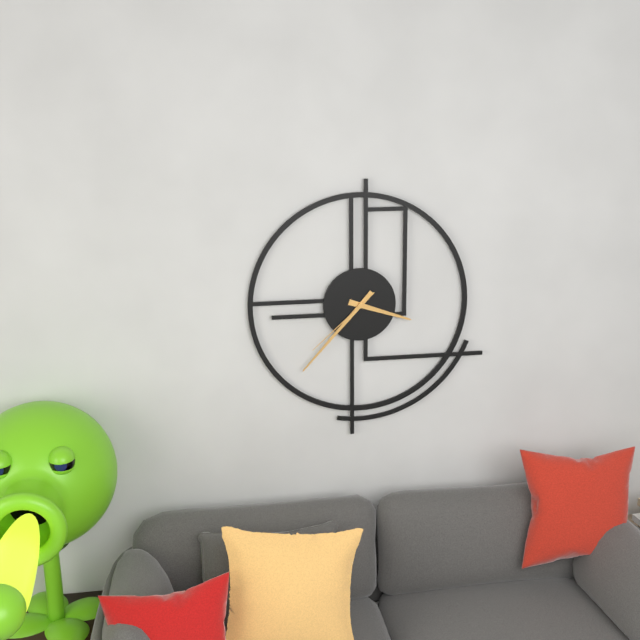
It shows 3h37m38s
